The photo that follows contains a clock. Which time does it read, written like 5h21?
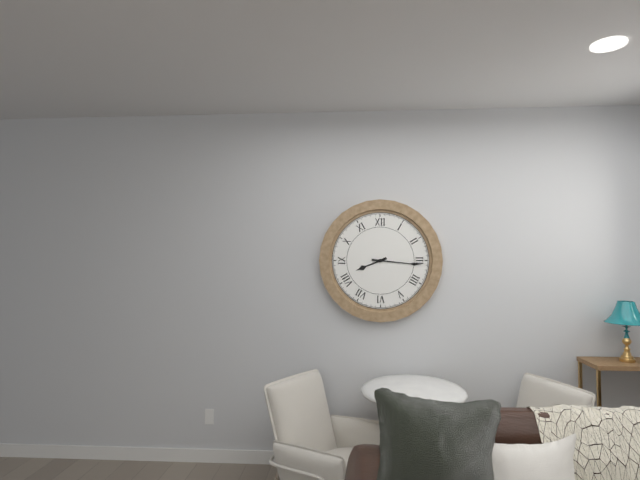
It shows 8h16
